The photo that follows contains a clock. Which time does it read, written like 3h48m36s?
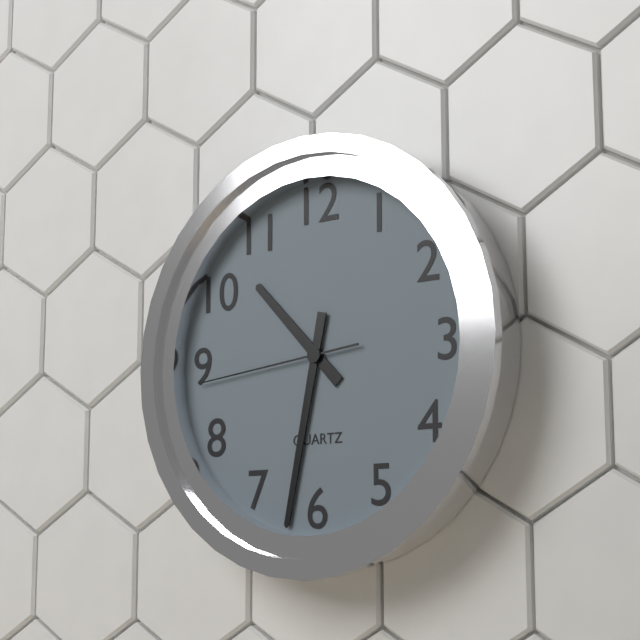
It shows 10h32m44s
